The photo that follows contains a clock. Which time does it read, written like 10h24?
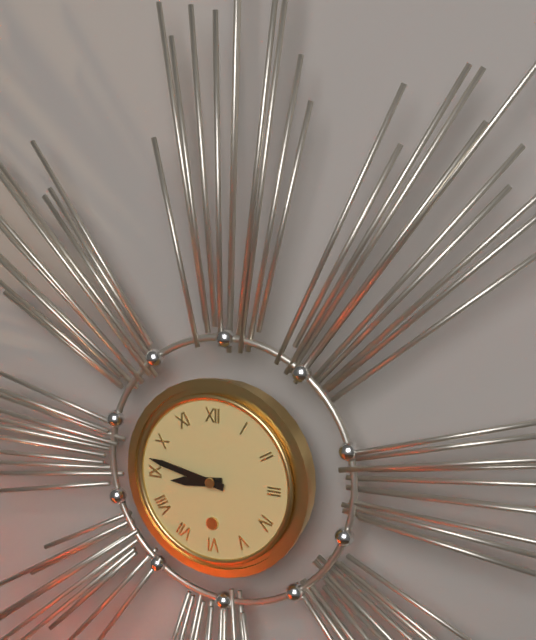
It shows 8h47
